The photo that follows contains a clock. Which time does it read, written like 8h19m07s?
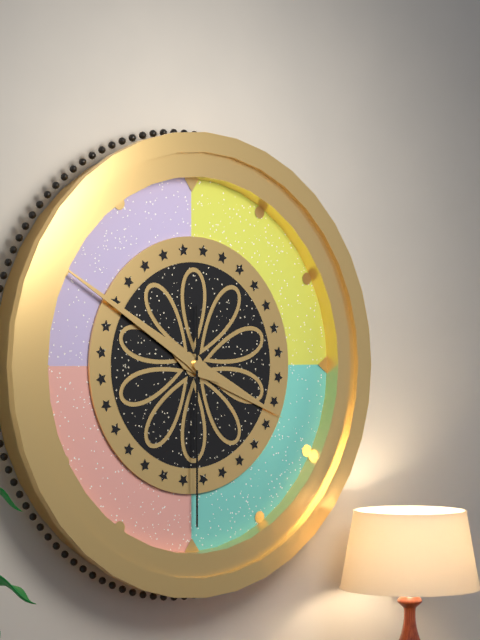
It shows 3h50m30s
